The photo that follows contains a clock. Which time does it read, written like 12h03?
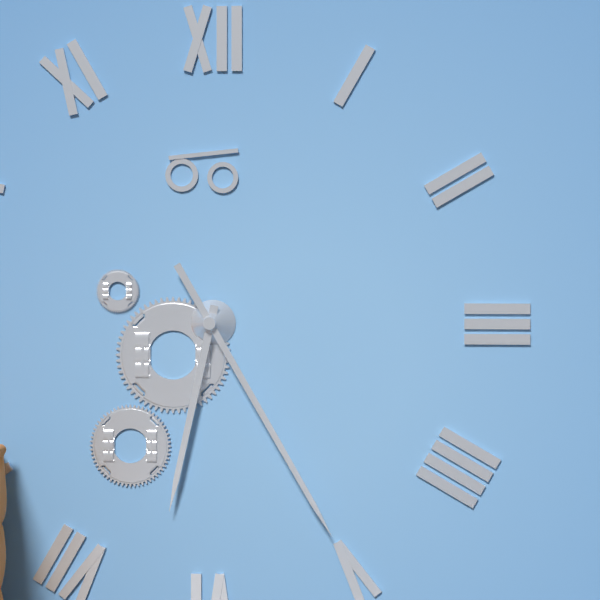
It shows 6h25
